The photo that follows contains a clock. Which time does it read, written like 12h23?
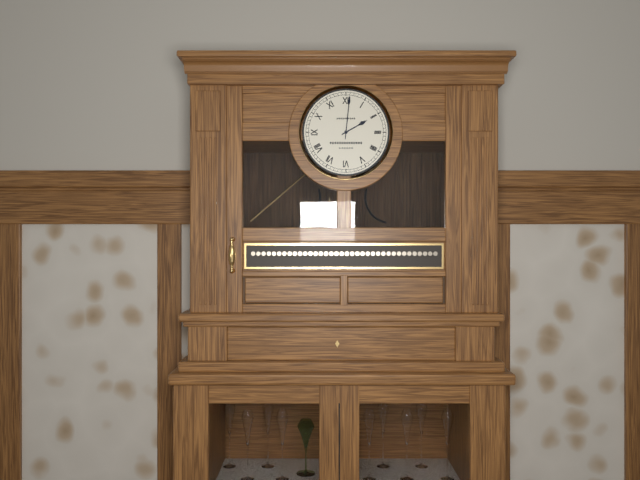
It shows 2h01
